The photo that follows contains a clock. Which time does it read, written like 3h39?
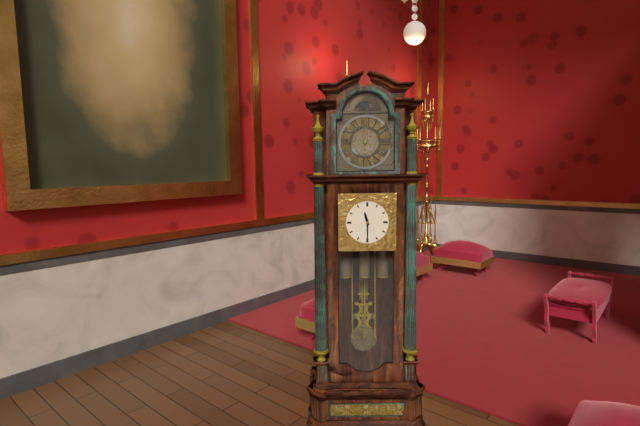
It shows 11h30
